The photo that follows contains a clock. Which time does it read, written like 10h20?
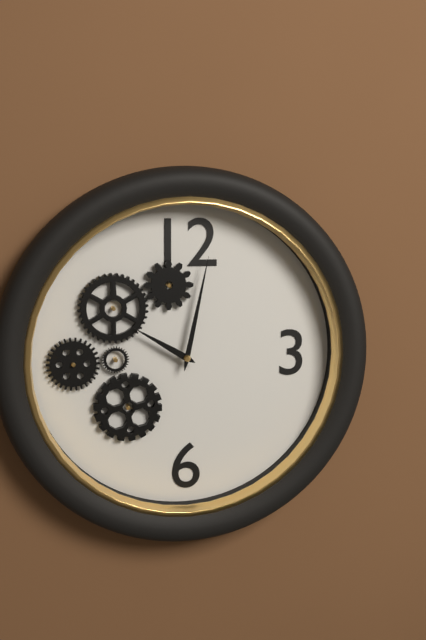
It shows 10h02
